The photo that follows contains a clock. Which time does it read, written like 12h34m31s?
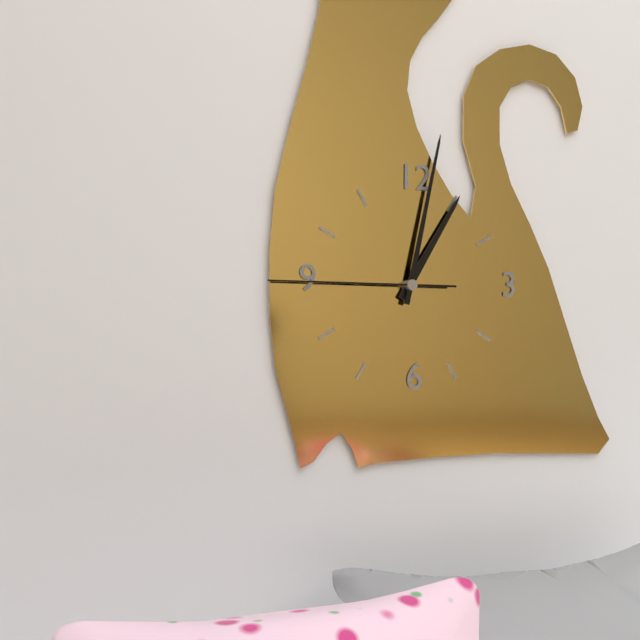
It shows 1h02m45s
